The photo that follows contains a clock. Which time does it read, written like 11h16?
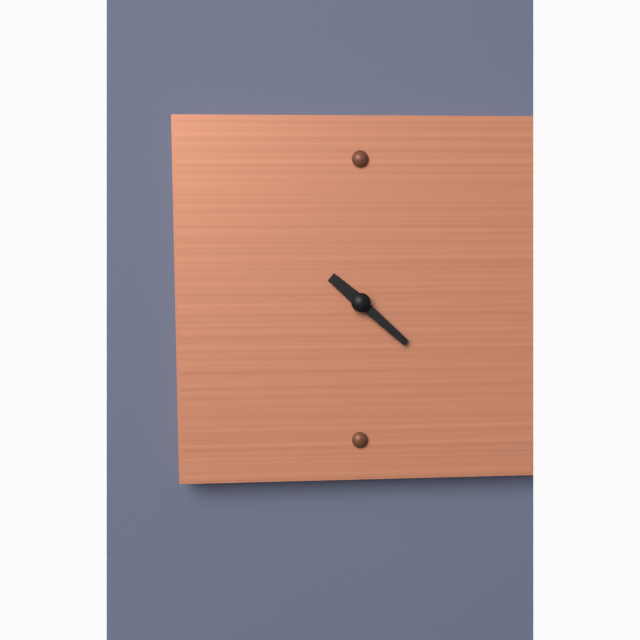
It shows 10h22
